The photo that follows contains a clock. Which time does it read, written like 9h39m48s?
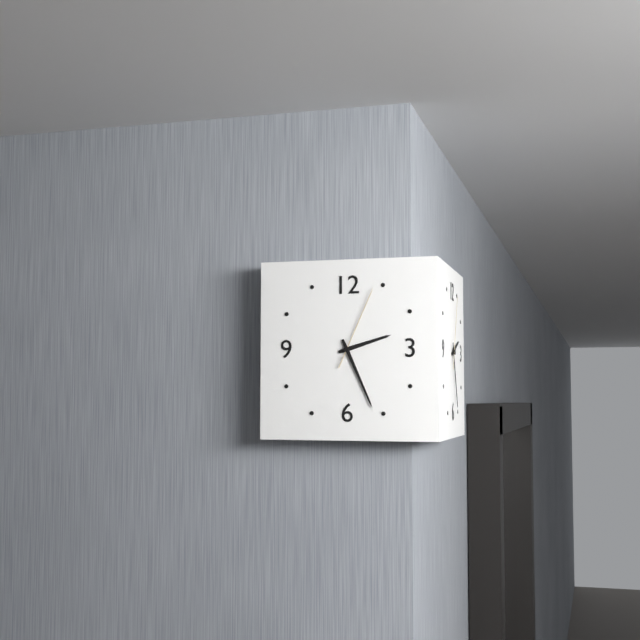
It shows 2h26m04s
